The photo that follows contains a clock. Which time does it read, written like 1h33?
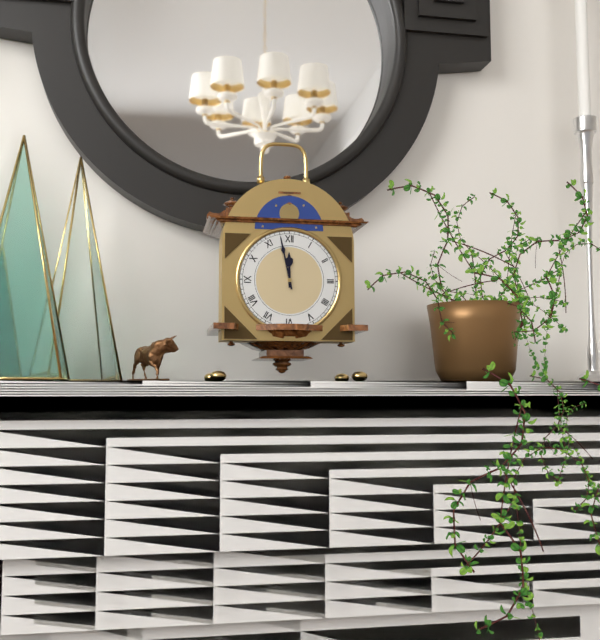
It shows 11h58
